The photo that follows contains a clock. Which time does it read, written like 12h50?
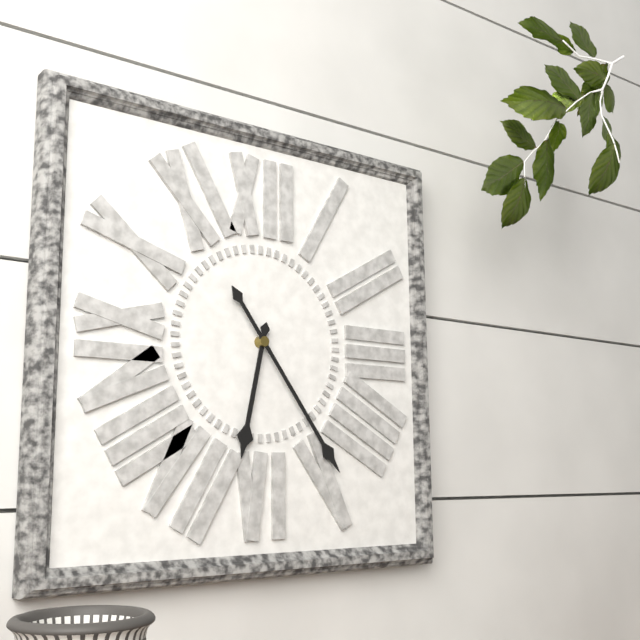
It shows 6h24
